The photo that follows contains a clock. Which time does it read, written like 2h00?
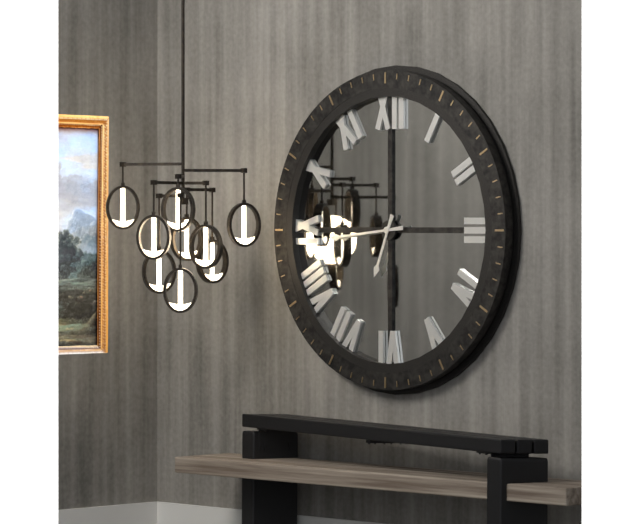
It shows 6h44
